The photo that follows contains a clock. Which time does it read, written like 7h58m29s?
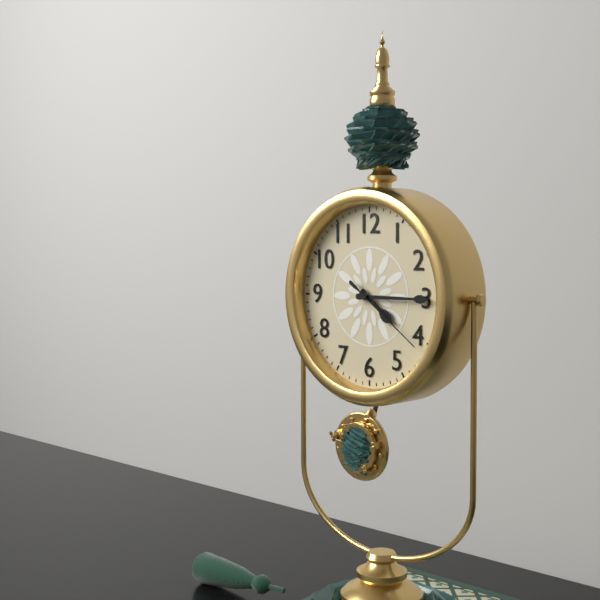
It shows 4h15m21s
